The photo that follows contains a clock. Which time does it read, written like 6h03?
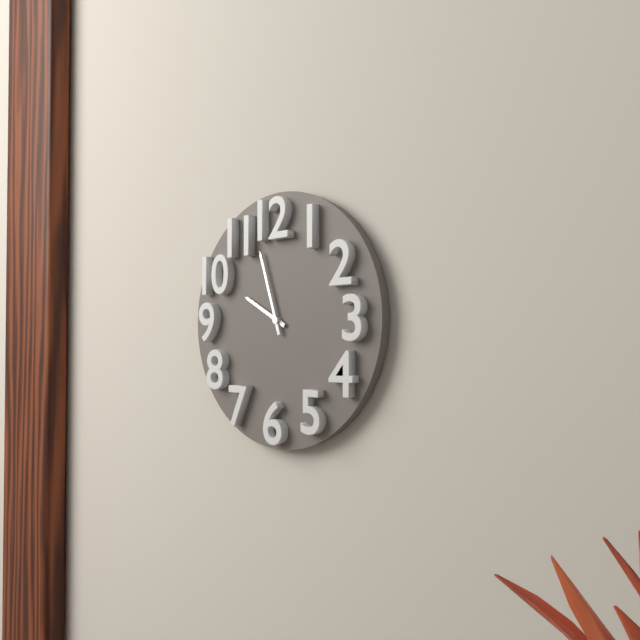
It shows 9h57
